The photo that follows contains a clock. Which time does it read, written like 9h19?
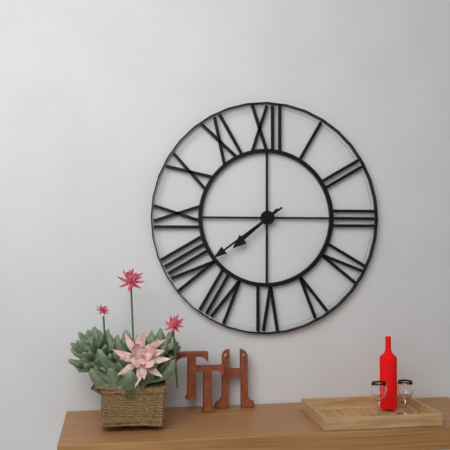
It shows 7h39
